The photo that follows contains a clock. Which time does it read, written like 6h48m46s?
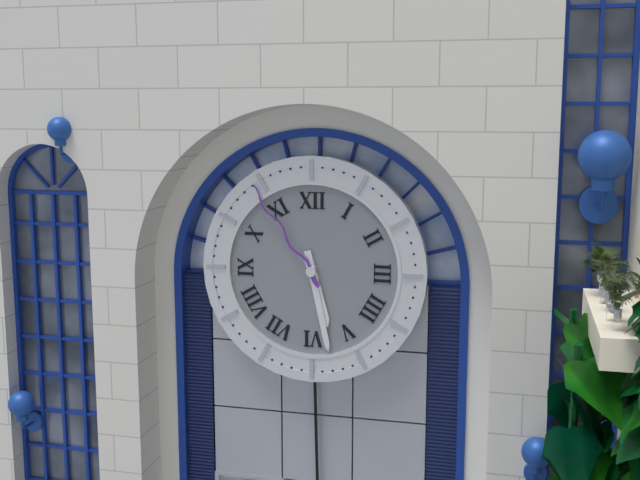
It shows 5h28m54s
